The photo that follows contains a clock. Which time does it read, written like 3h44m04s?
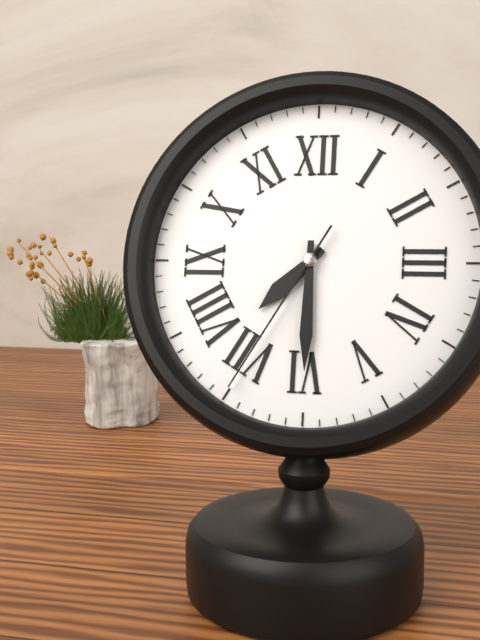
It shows 7h30m35s
